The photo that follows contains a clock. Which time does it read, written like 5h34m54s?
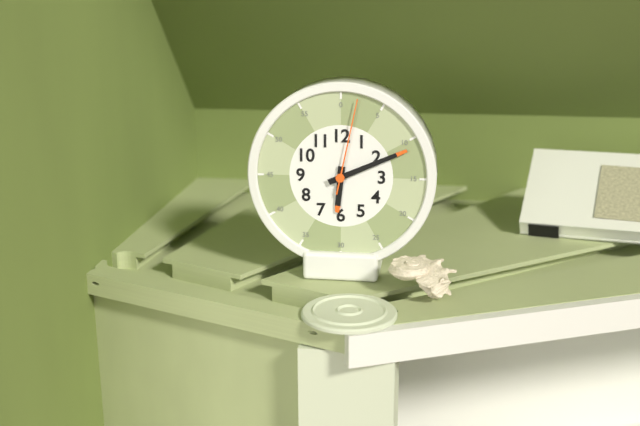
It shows 6h11m02s
